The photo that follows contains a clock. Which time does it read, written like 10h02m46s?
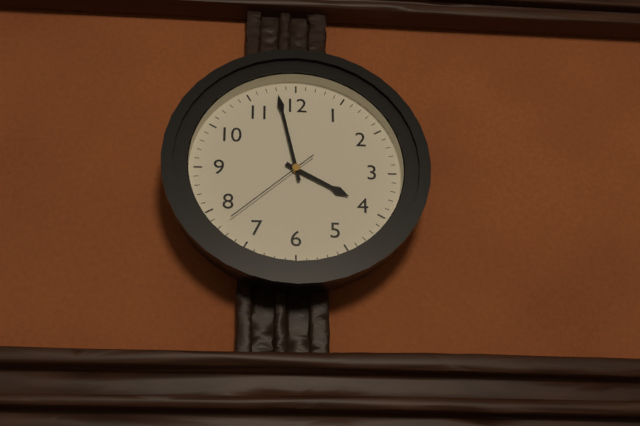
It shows 3h58m38s
